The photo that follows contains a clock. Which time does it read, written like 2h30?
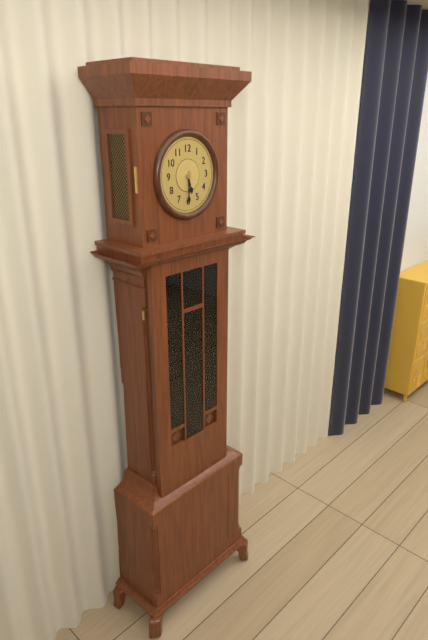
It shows 5h30
